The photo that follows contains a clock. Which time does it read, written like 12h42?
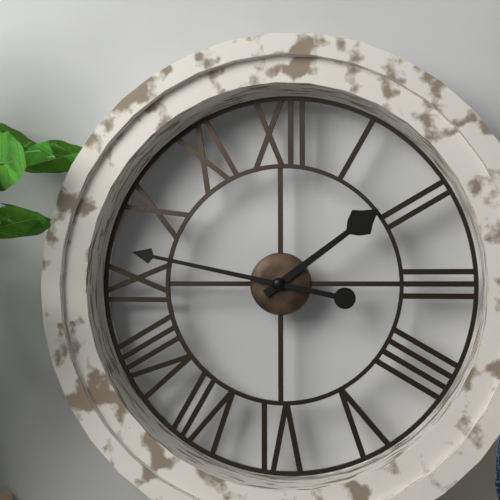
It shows 1h47
